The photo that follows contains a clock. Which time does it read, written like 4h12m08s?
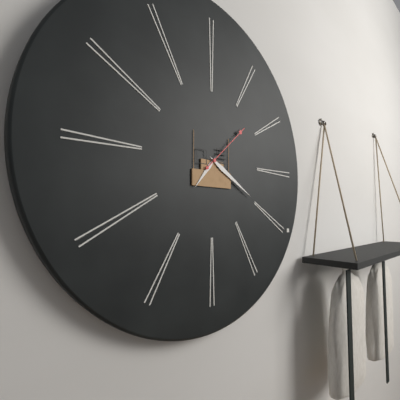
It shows 7h20m08s
